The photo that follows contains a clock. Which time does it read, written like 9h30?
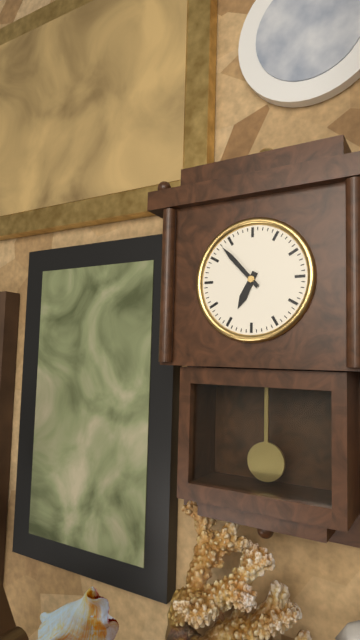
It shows 6h53
